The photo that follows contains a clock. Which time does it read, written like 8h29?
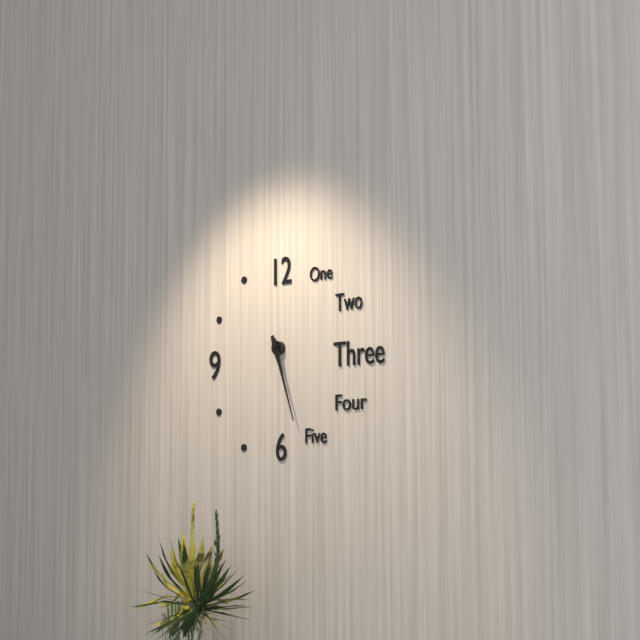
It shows 5h27
